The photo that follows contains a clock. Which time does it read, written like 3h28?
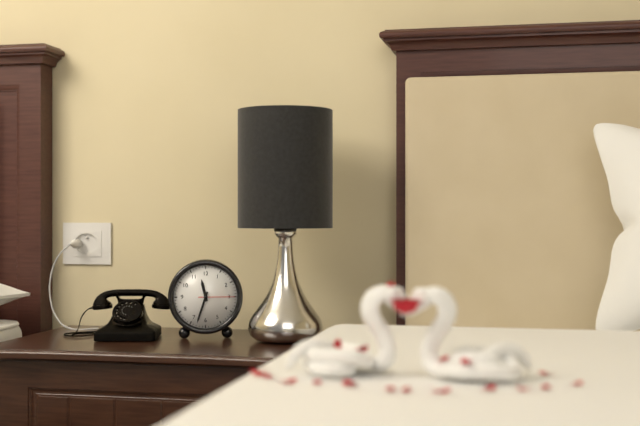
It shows 11h33
